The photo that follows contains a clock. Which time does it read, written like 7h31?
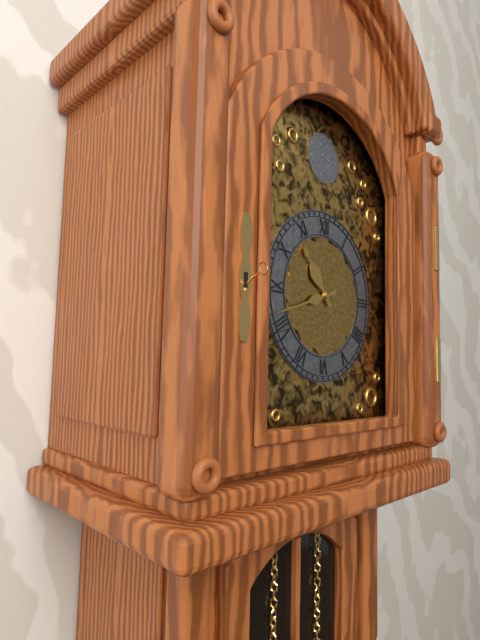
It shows 10h42
